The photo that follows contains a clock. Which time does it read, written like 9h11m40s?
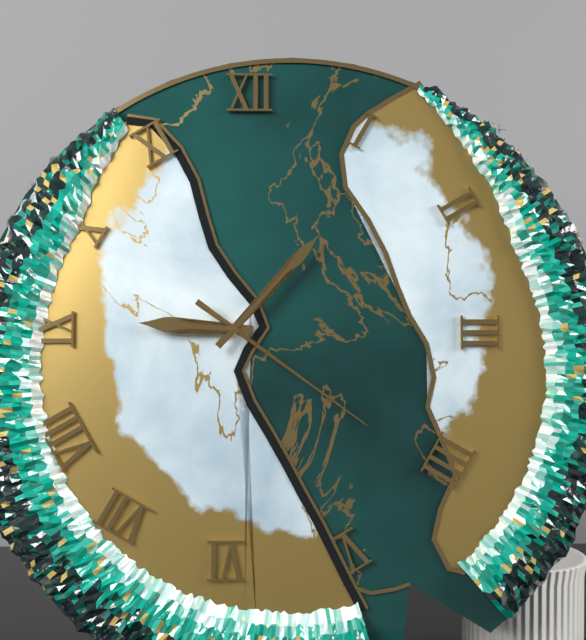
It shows 9h07m21s
